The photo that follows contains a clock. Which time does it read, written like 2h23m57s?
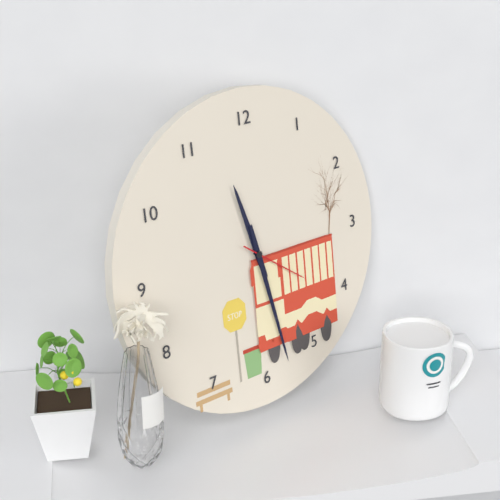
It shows 11h28m21s
